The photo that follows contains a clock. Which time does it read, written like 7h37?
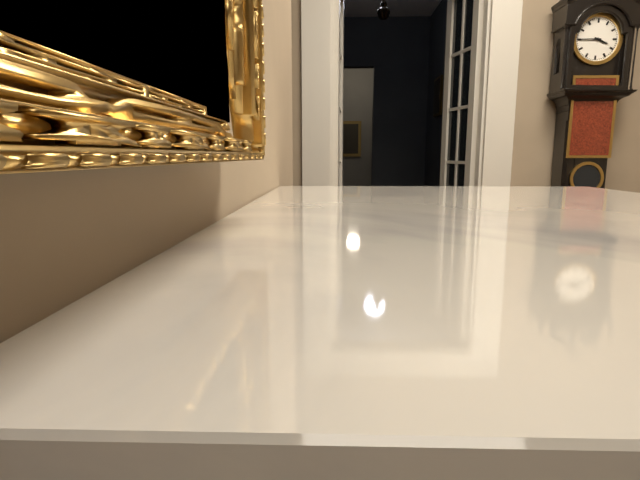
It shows 3h45
